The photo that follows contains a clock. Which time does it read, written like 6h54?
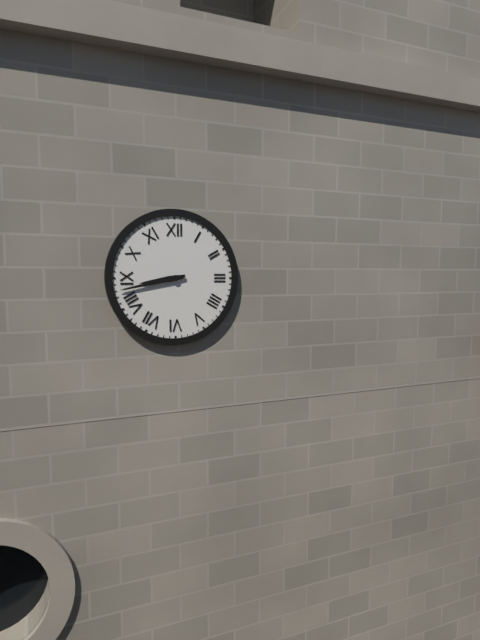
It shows 8h43
